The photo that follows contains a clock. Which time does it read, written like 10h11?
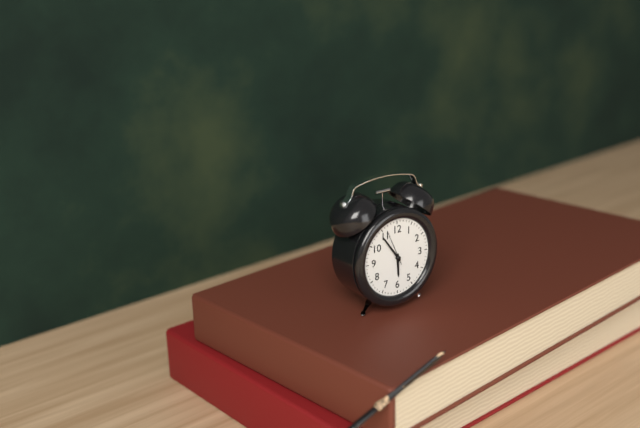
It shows 5h54
